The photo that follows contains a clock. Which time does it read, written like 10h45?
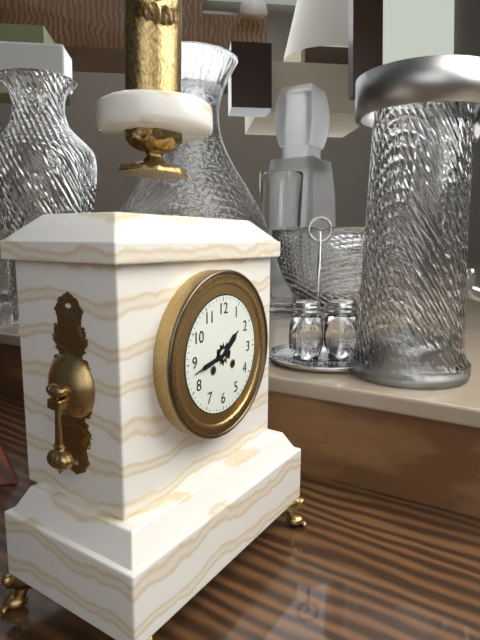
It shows 1h43
